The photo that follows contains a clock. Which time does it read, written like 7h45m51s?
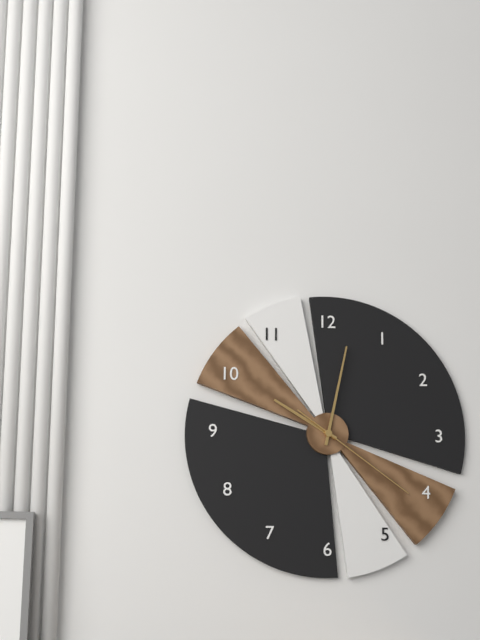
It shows 10h02m21s
